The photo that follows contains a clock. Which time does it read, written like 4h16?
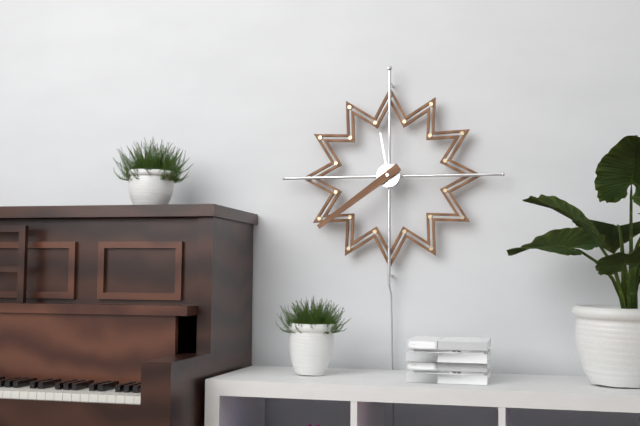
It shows 11h39
